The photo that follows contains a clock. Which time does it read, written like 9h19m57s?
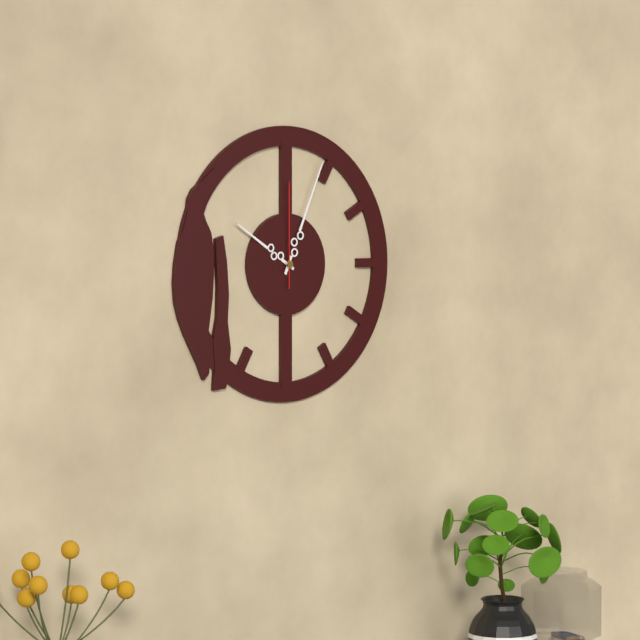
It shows 10h04m00s
